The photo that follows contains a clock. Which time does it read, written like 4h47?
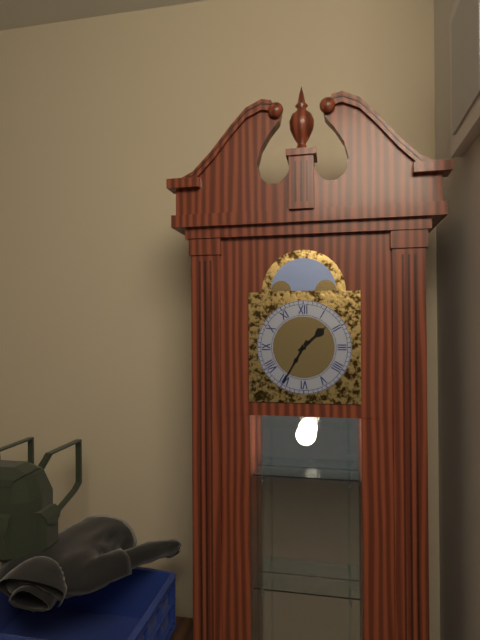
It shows 1h35
